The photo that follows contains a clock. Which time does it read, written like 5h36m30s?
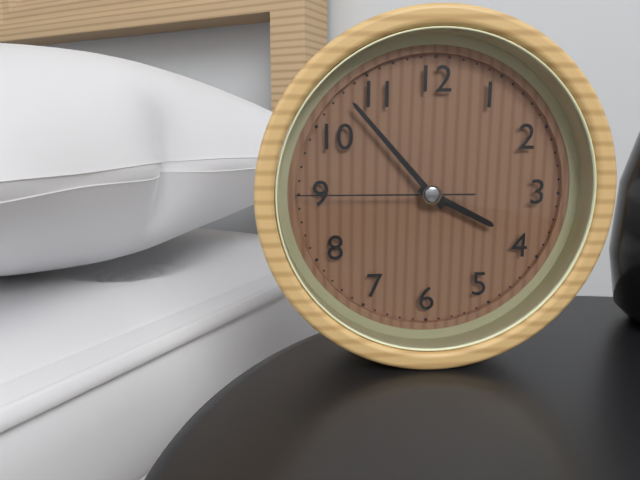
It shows 3h53m45s
